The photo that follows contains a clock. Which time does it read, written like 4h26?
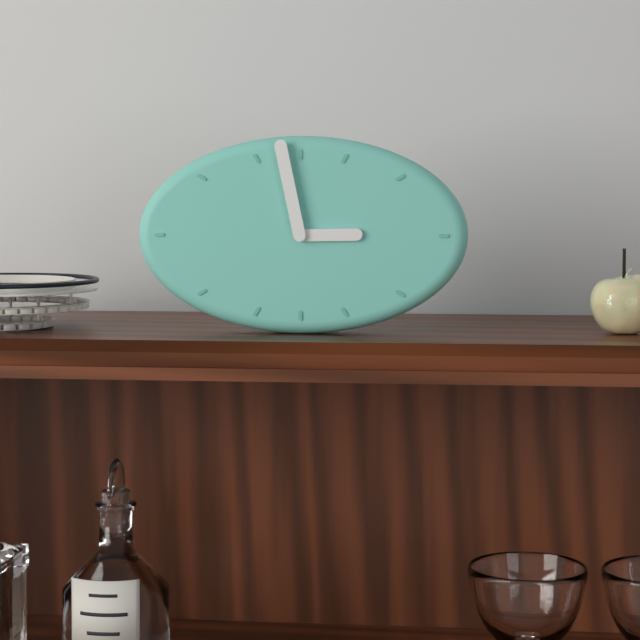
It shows 2h58
